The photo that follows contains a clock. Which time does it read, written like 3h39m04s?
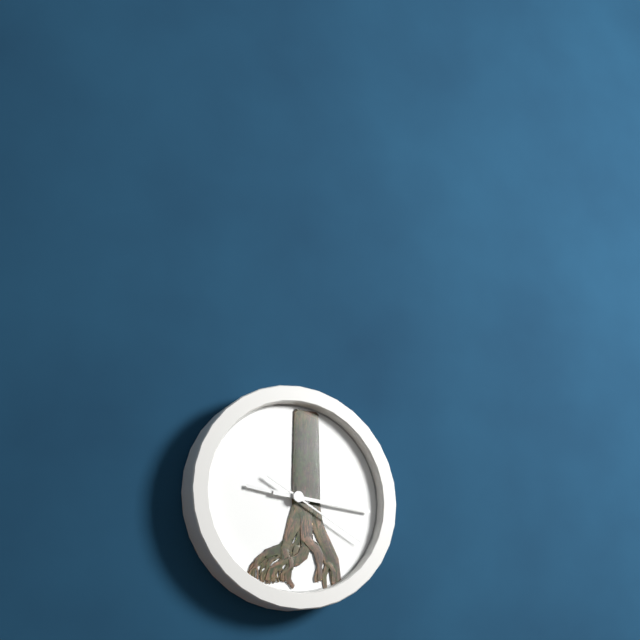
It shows 9h16m20s
